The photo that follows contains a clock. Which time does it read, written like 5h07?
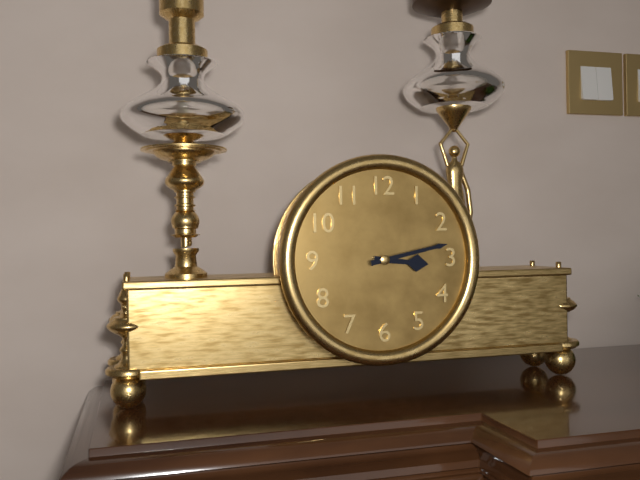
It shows 3h13
